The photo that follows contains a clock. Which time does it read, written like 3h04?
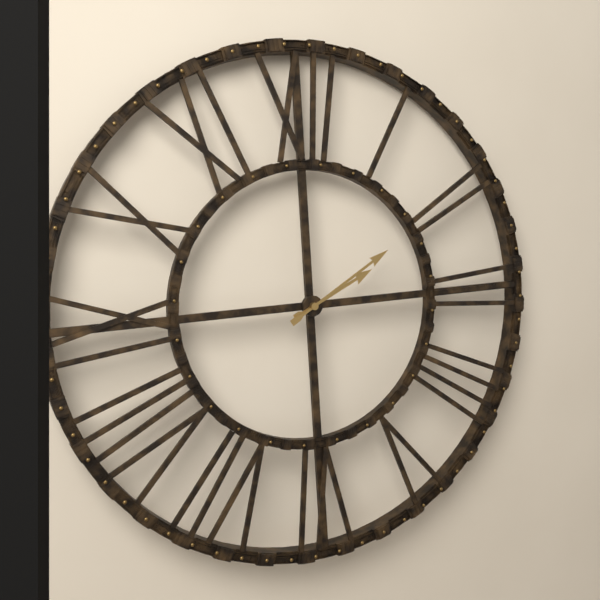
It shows 2h10
